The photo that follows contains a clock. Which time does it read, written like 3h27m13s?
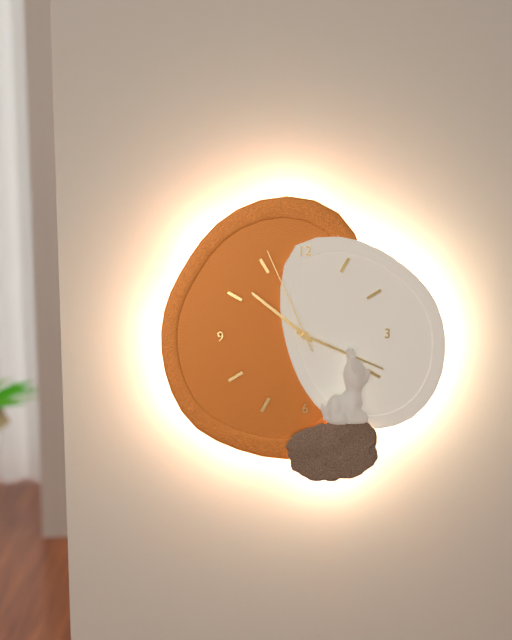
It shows 10h19m56s
